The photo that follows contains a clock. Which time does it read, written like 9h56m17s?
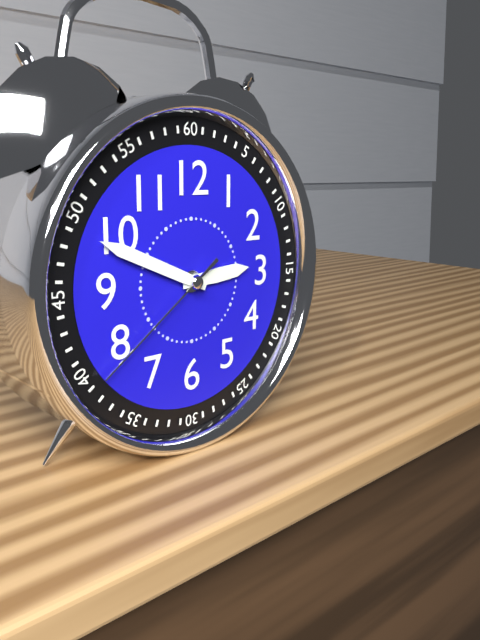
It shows 2h49m39s
